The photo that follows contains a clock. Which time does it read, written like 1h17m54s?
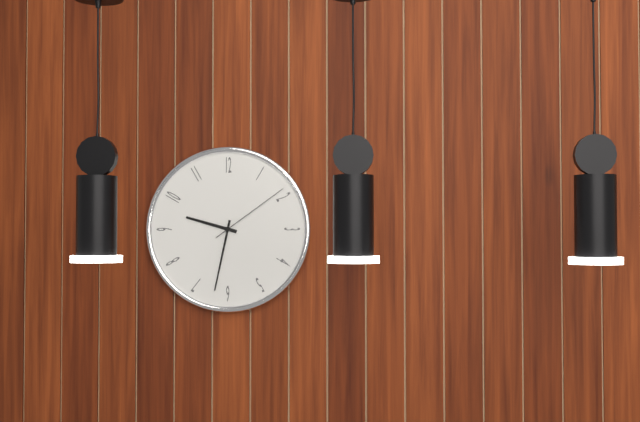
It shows 9h32m09s
